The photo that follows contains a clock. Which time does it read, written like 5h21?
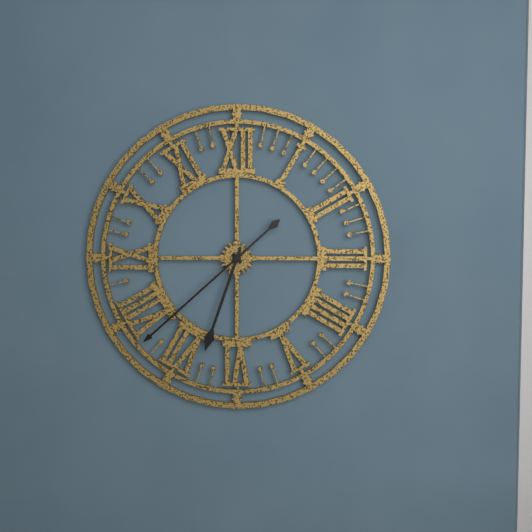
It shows 6h38
